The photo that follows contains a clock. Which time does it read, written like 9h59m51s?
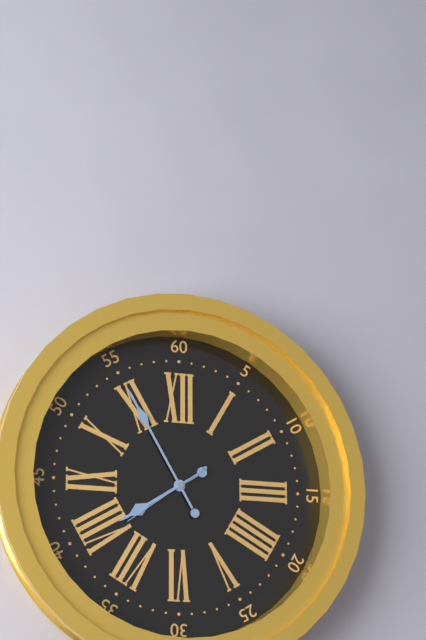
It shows 7h55m39s
